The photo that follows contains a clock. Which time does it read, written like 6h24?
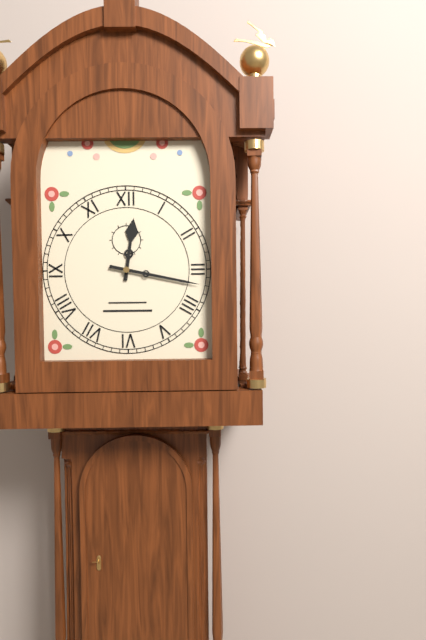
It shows 12h17
